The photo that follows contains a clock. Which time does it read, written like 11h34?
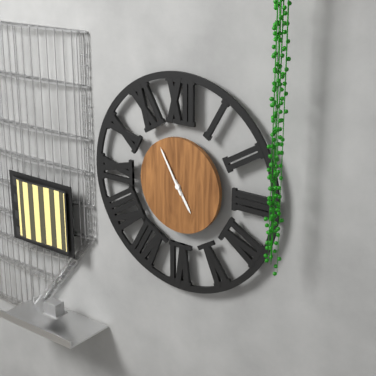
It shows 4h55
